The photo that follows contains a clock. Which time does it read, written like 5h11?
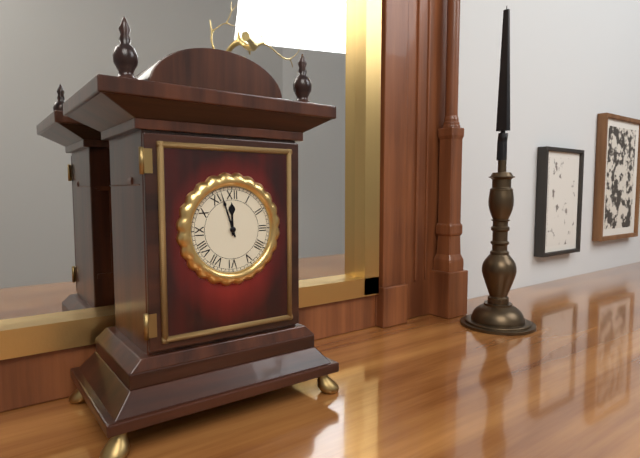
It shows 11h57
